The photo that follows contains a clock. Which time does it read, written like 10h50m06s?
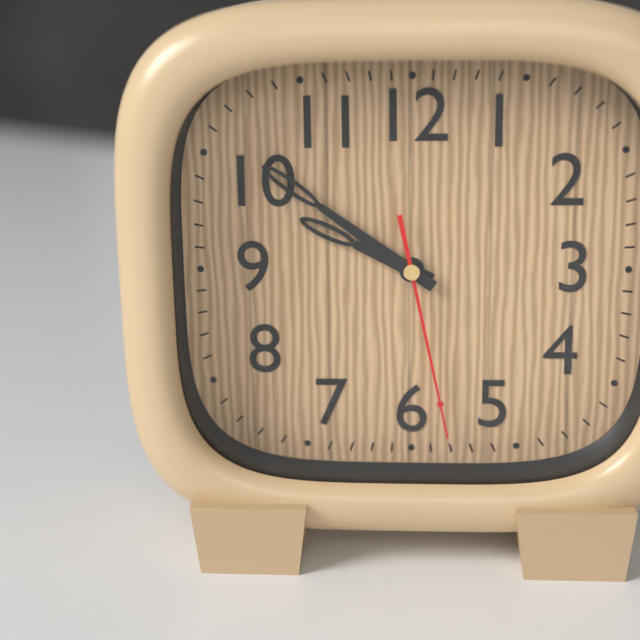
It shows 9h51m28s
